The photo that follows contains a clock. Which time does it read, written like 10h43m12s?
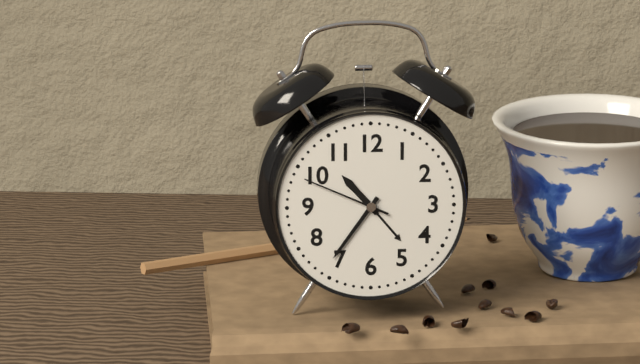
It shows 10h36m49s
